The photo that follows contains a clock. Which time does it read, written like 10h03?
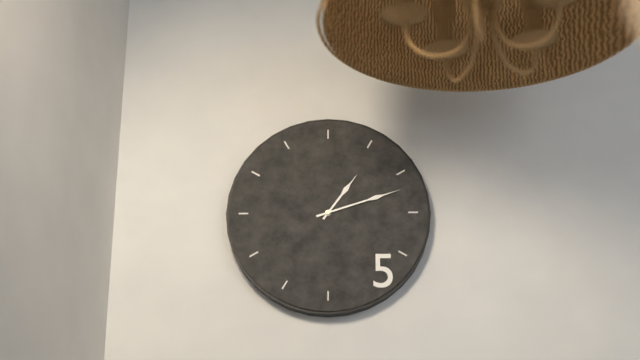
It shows 1h12
